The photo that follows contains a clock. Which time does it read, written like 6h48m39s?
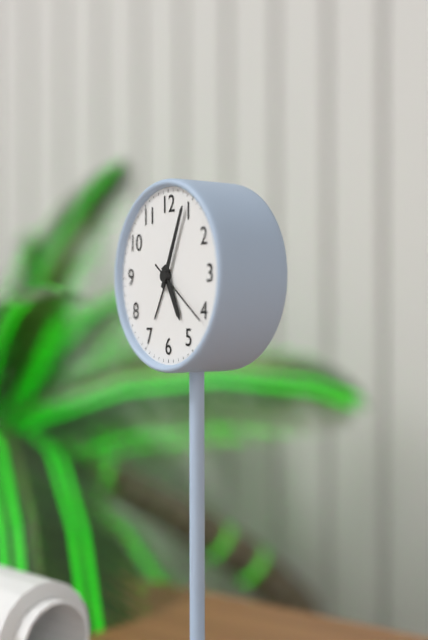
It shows 5h04m21s
